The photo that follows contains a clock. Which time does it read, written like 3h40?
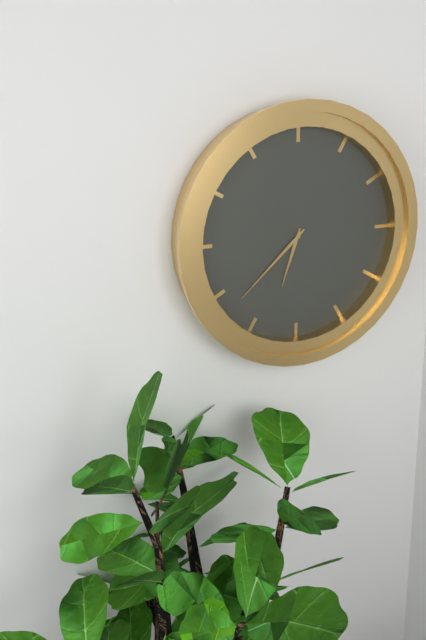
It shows 6h38
